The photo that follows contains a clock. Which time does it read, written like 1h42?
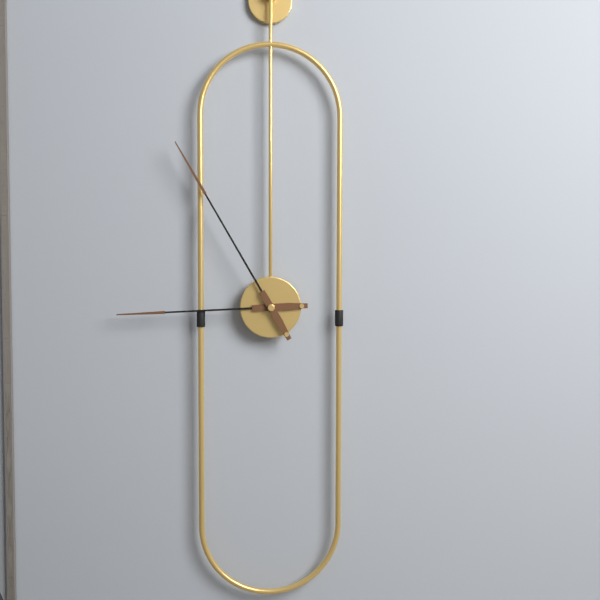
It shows 8h55
